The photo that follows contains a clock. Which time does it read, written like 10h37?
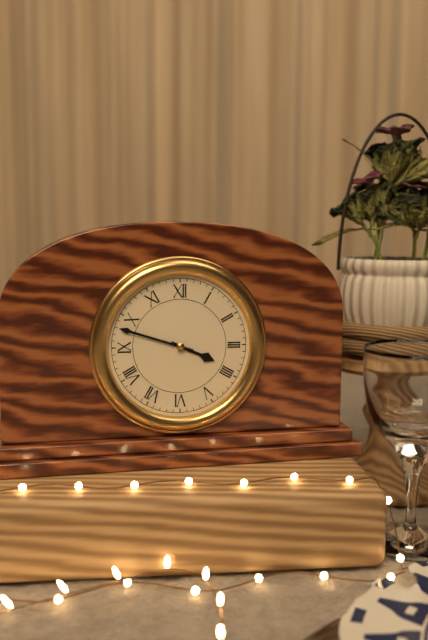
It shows 3h48
